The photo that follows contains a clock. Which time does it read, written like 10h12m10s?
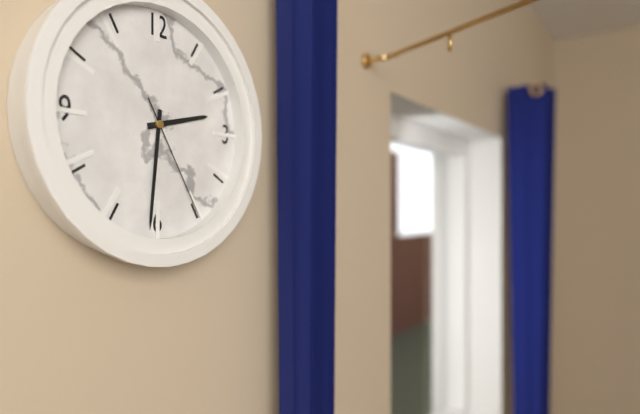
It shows 2h31m25s
